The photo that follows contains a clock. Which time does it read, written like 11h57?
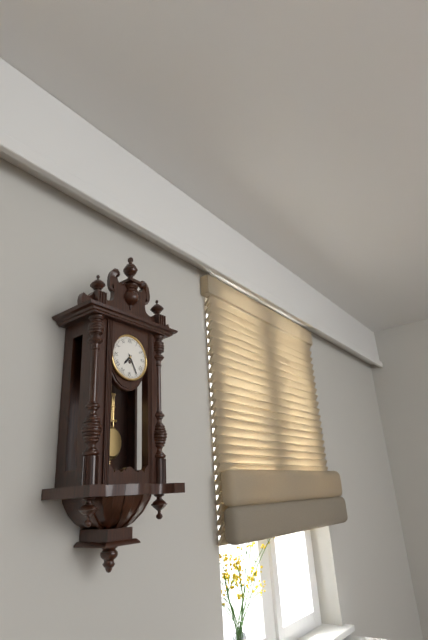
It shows 7h25
